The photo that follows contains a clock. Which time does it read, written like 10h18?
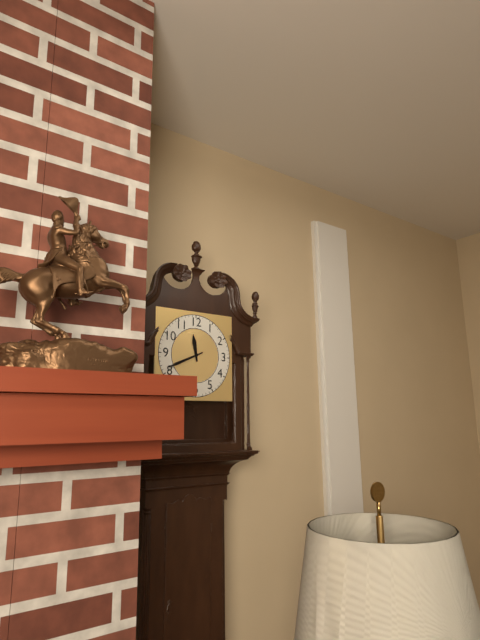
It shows 11h41
